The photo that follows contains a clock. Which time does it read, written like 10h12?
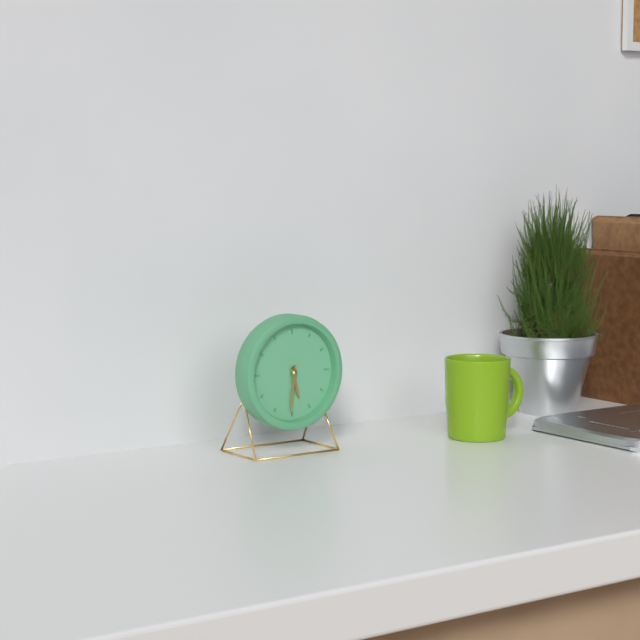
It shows 5h31
